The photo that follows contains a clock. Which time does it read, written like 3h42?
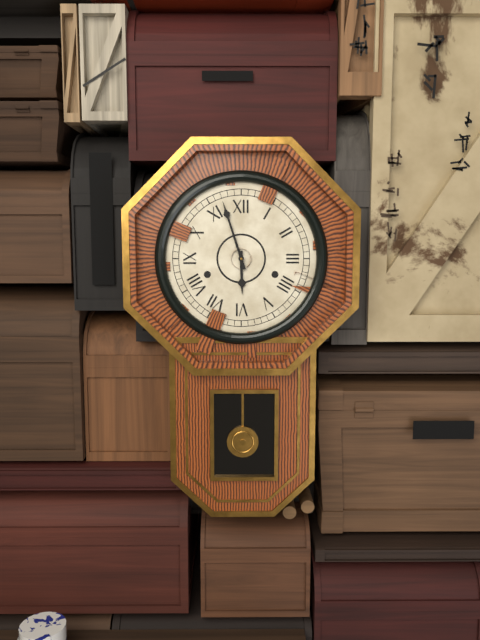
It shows 5h57
